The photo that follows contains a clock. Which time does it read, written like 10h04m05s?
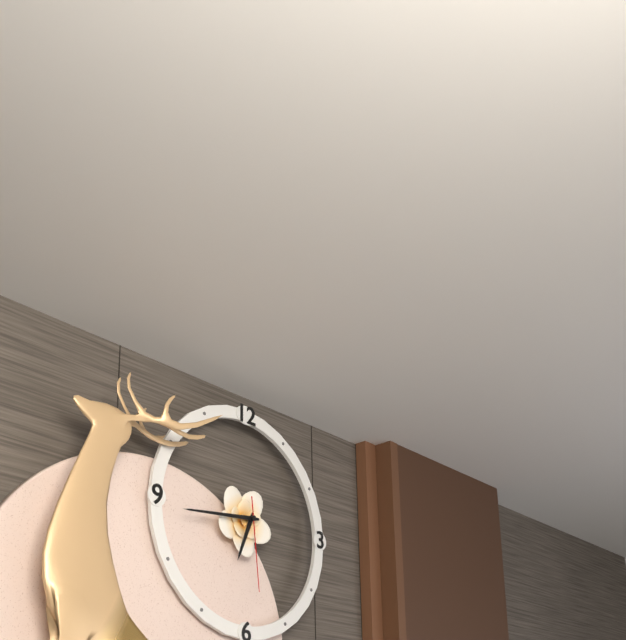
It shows 6h44m29s
